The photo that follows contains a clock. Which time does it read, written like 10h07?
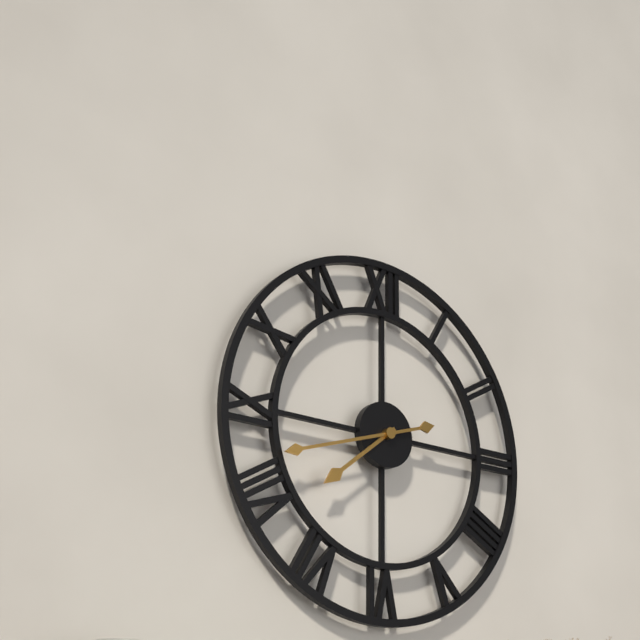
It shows 7h42
